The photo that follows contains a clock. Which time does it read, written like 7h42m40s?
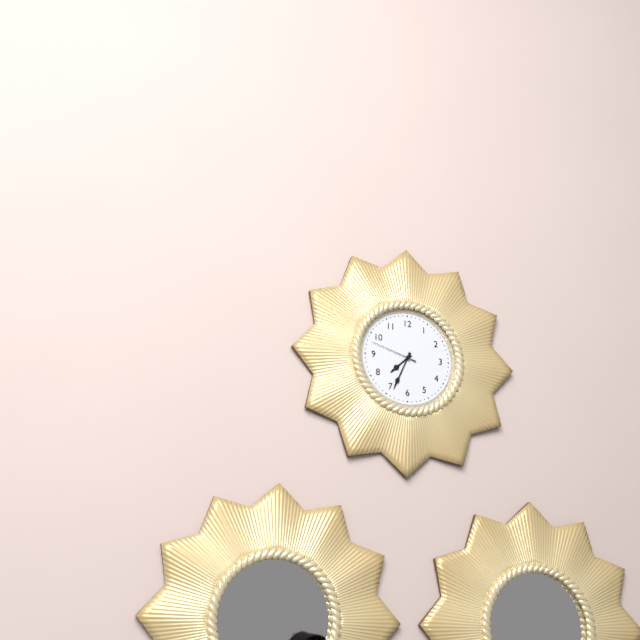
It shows 7h34m48s
